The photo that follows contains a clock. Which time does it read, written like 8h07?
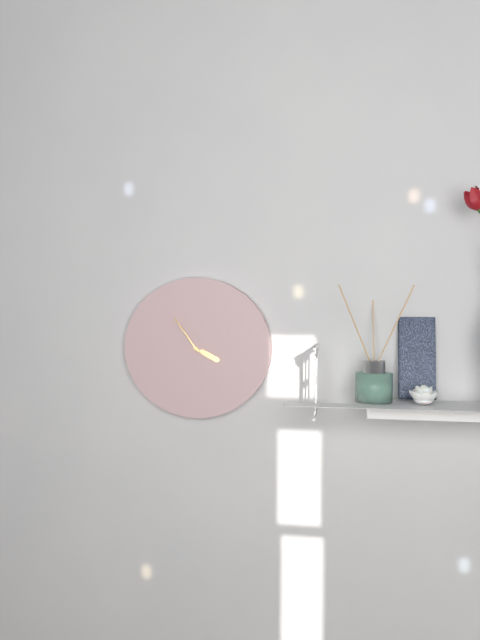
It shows 3h54
